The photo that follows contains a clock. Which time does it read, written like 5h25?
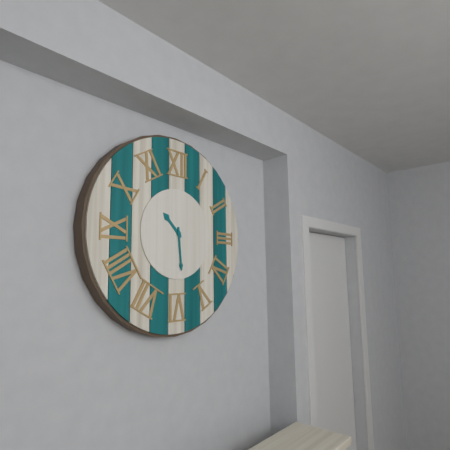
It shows 10h29
